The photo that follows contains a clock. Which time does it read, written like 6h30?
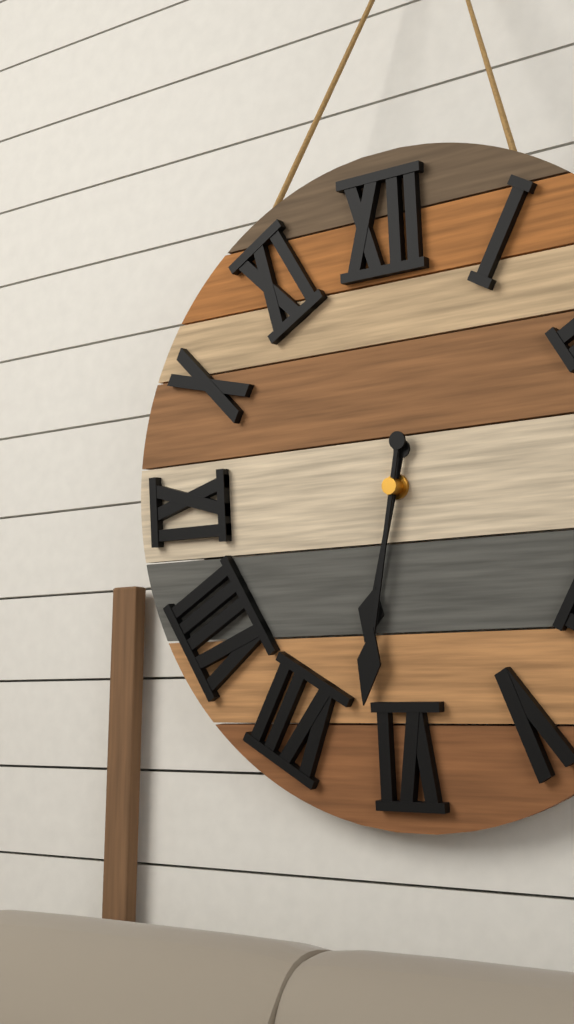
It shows 6h32
